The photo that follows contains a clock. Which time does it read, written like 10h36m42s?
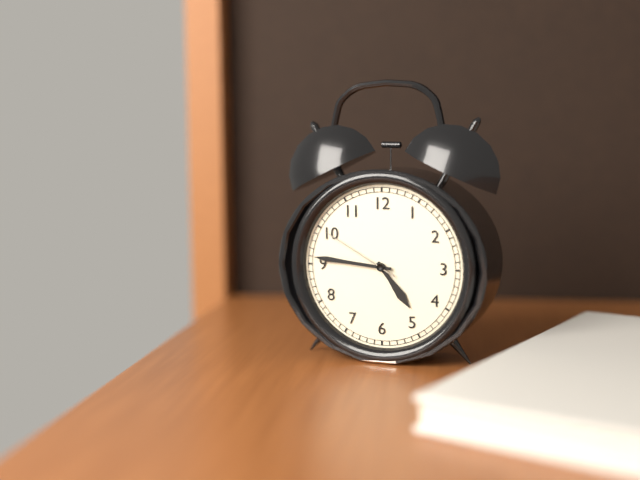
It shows 4h46m50s
